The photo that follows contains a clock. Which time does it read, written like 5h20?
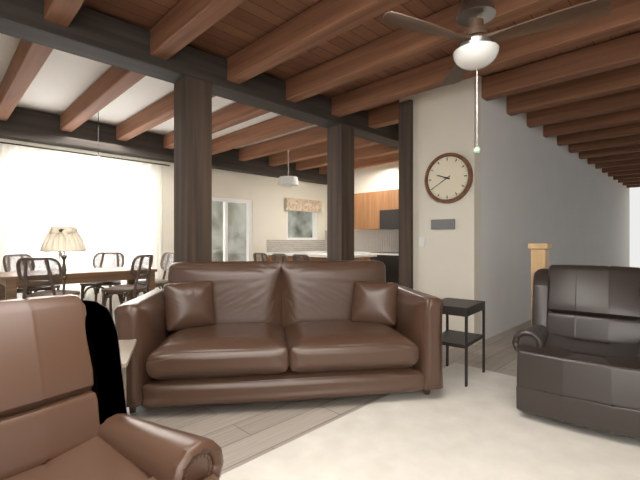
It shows 9h40
